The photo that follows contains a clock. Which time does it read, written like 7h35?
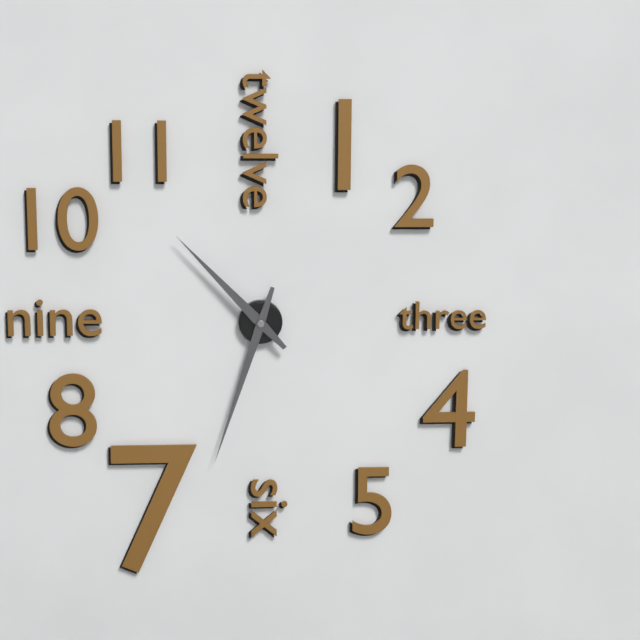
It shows 10h33
